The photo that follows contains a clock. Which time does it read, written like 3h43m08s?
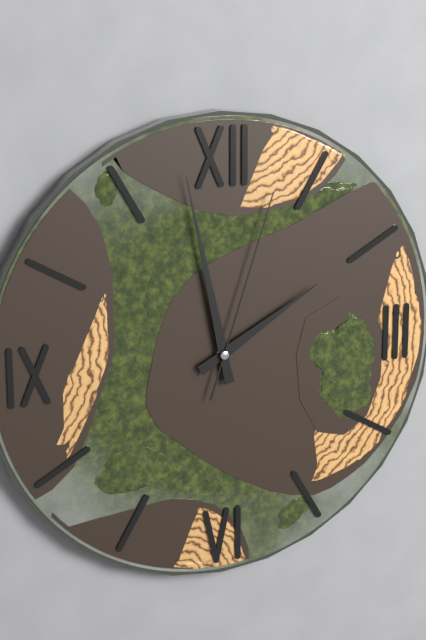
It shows 1h58m03s
